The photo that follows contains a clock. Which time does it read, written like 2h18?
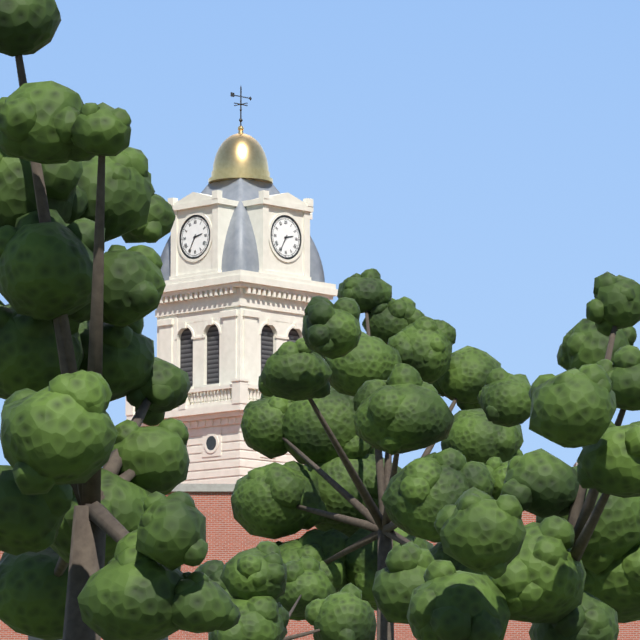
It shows 2h35
